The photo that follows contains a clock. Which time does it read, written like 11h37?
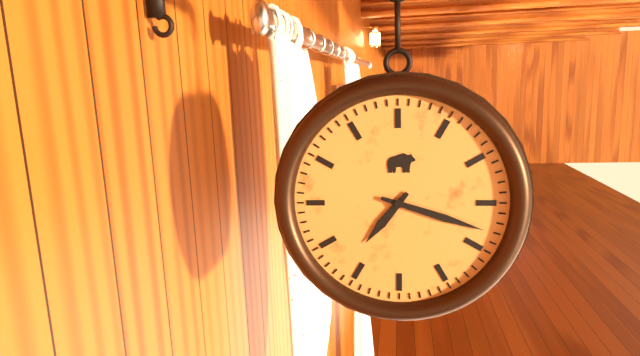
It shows 7h18
